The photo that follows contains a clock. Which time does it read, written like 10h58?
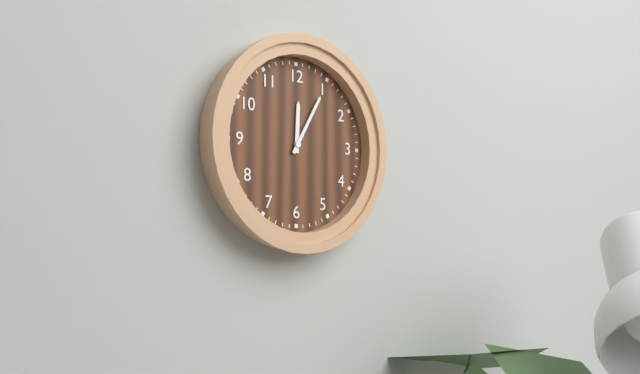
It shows 12h05
